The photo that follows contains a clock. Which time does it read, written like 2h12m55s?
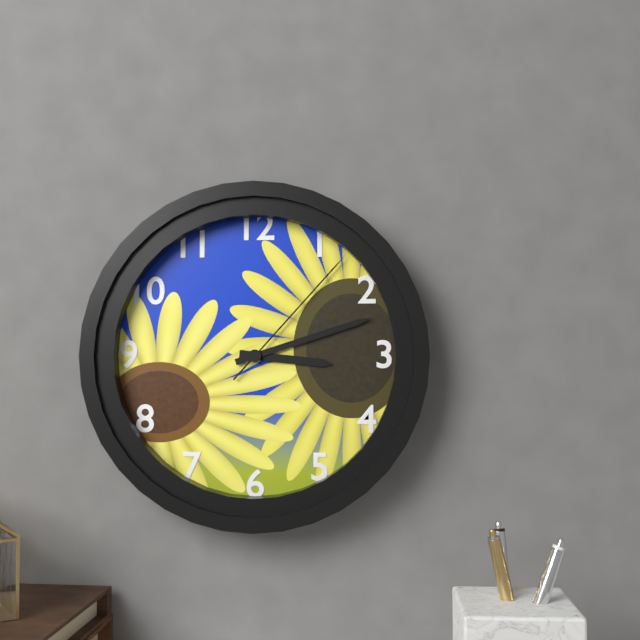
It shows 3h12m07s
